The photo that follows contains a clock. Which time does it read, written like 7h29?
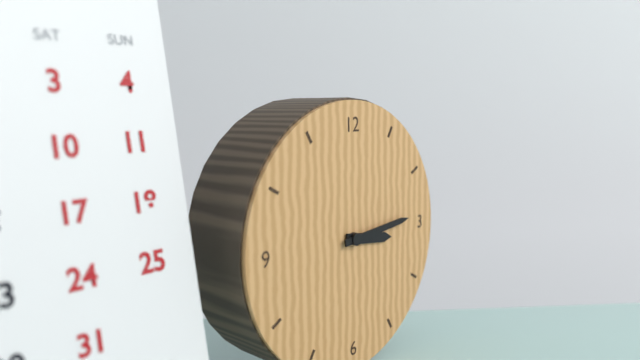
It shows 3h14
